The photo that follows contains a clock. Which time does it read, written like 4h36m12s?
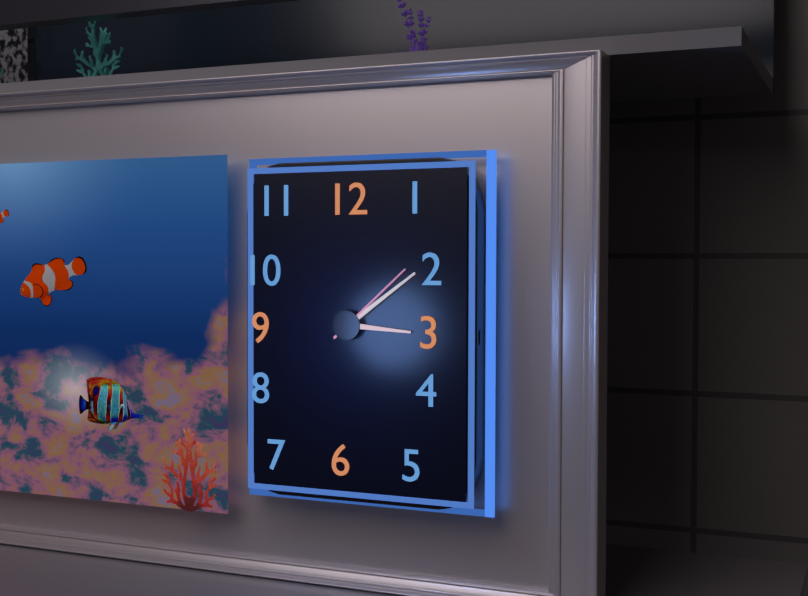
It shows 3h09m08s
